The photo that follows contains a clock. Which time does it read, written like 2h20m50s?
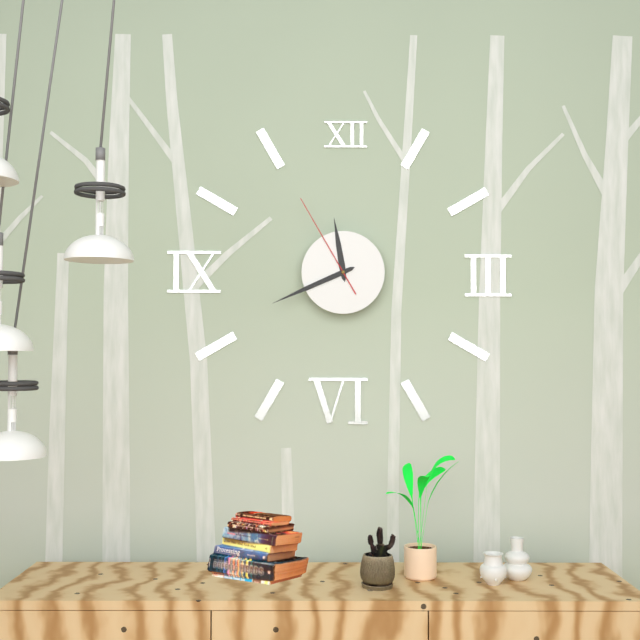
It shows 11h41m55s
